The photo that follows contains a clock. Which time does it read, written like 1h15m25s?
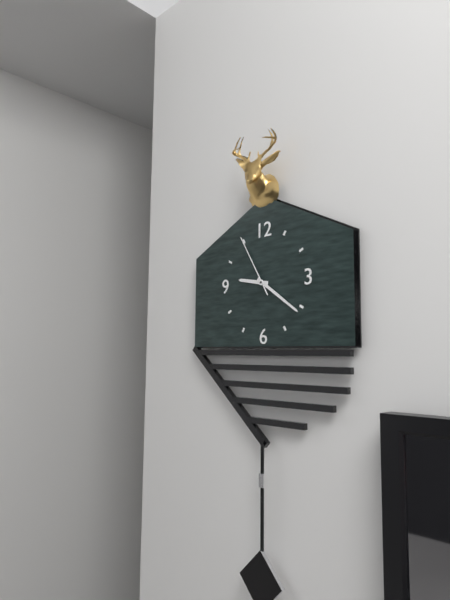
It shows 9h21m55s
